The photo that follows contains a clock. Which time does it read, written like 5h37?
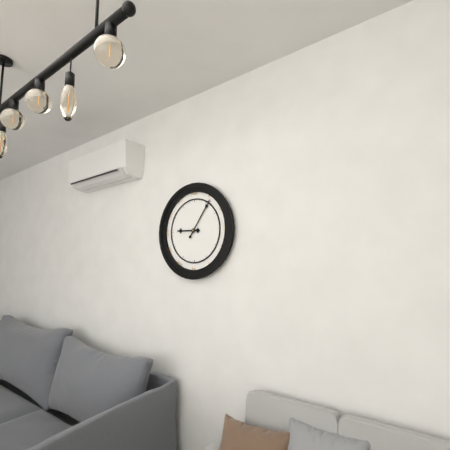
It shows 9h06
